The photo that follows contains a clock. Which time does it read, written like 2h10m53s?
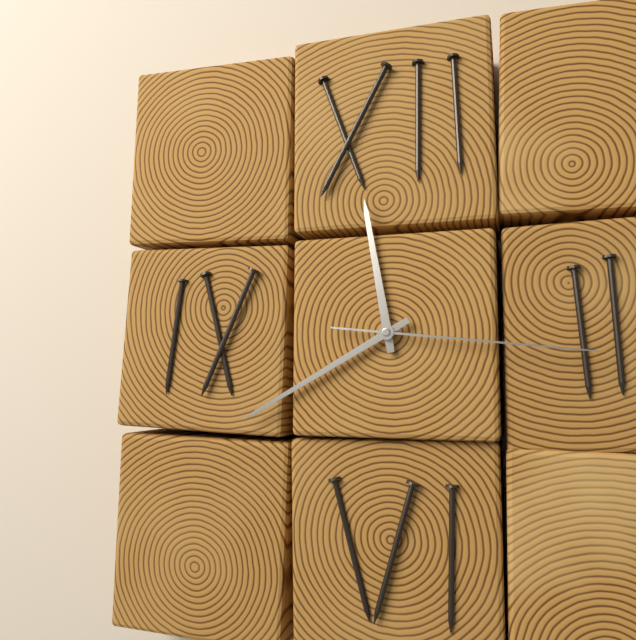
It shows 11h40m16s
